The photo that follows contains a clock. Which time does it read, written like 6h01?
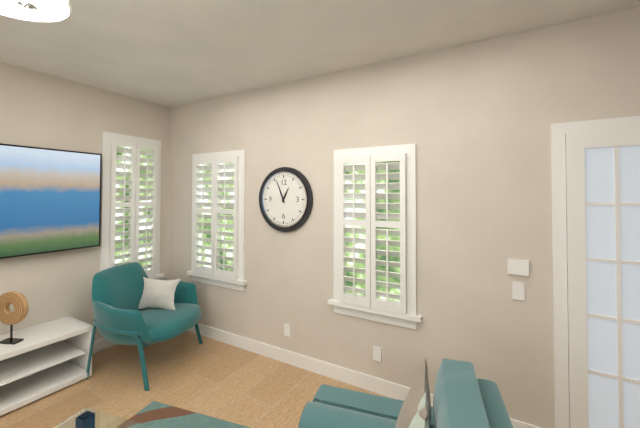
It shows 12h56
